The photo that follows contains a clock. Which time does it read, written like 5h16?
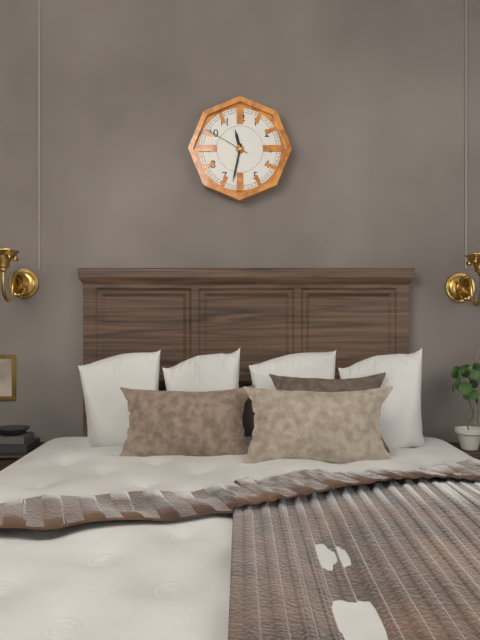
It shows 11h32
